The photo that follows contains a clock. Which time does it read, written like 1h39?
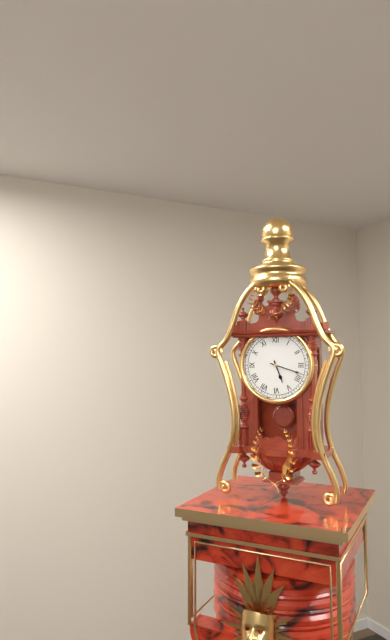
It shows 5h18
